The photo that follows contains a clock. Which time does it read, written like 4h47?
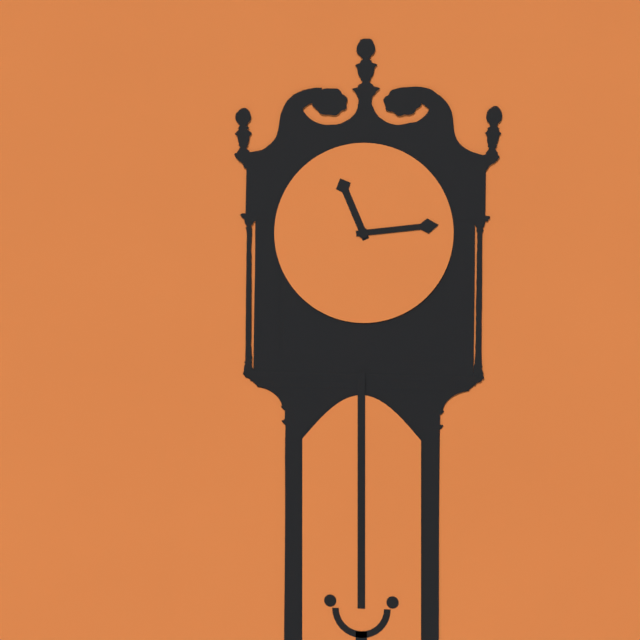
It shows 11h14
